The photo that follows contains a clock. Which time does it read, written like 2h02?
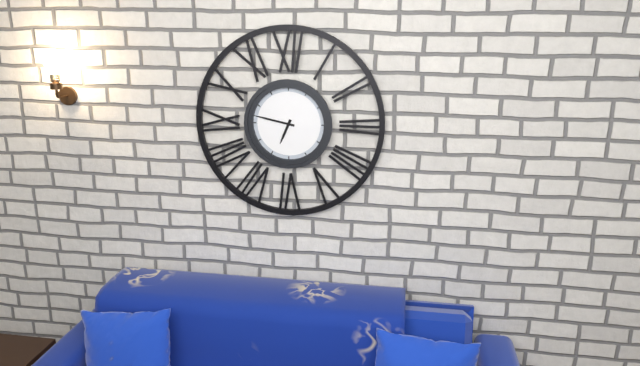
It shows 6h47
